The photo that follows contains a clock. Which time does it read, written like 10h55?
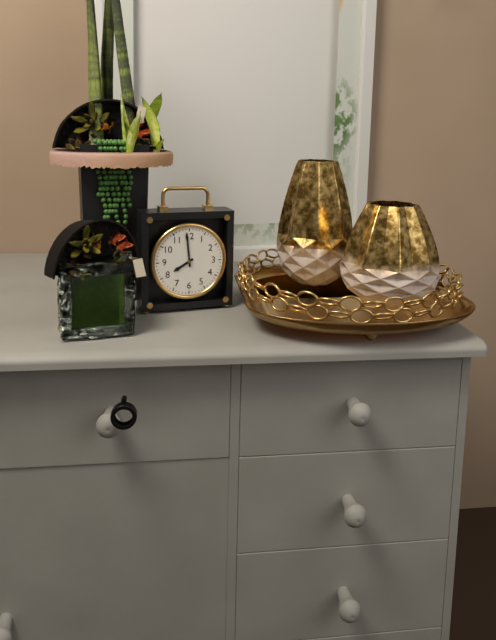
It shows 7h59
